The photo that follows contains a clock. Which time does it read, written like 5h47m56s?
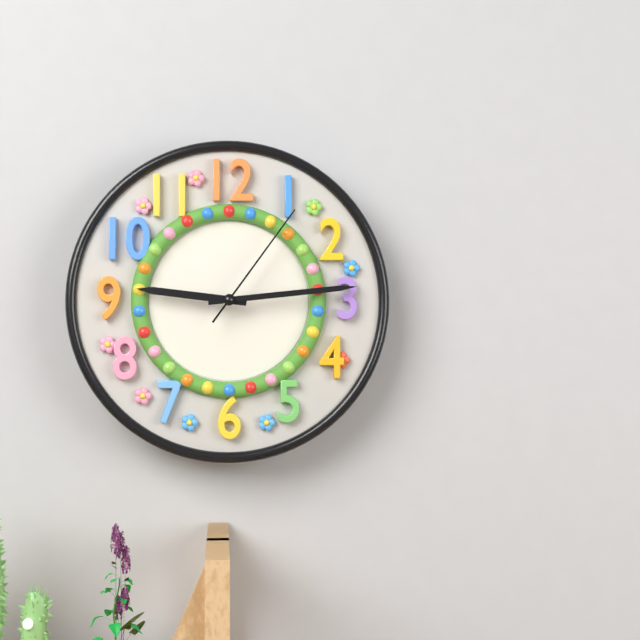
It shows 9h14m06s
